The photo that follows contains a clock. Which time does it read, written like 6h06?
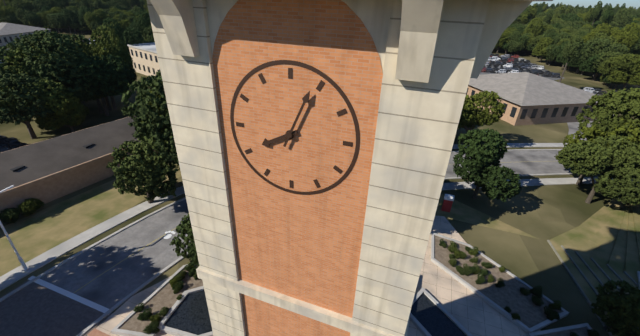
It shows 8h04
